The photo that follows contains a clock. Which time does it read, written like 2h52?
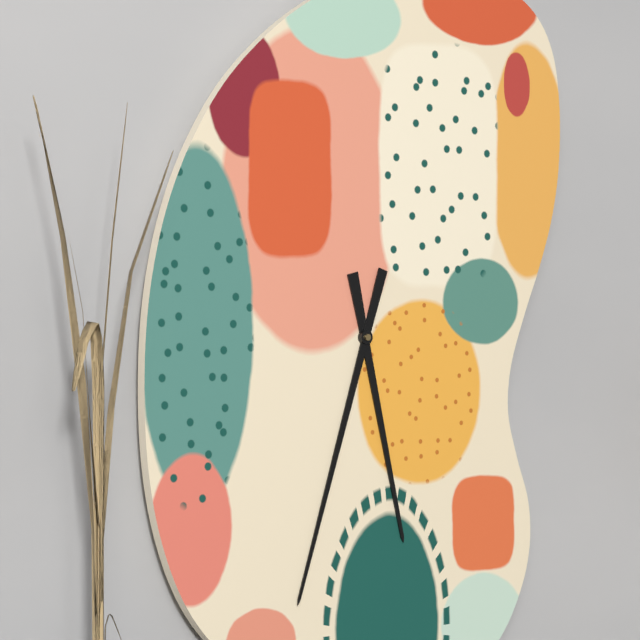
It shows 5h33
